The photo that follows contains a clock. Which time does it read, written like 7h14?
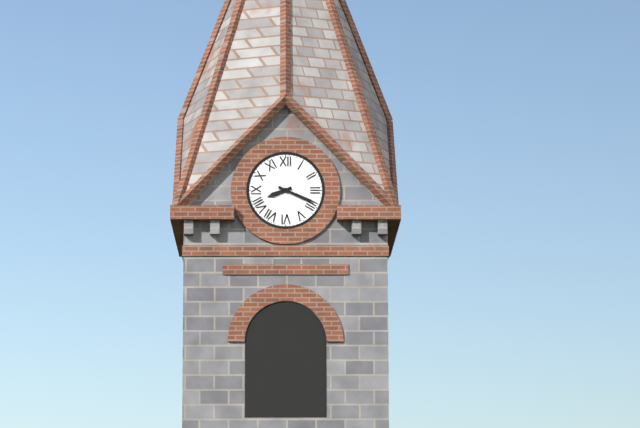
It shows 8h19
